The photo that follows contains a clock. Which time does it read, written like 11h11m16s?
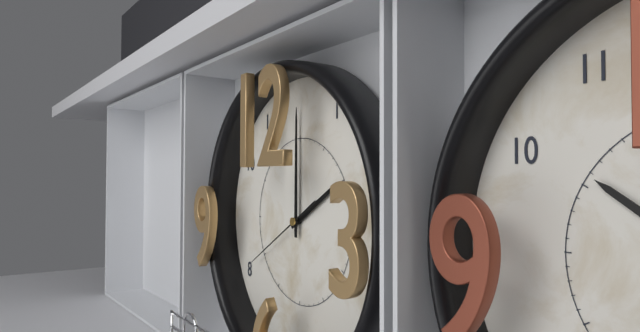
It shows 2h00m40s
